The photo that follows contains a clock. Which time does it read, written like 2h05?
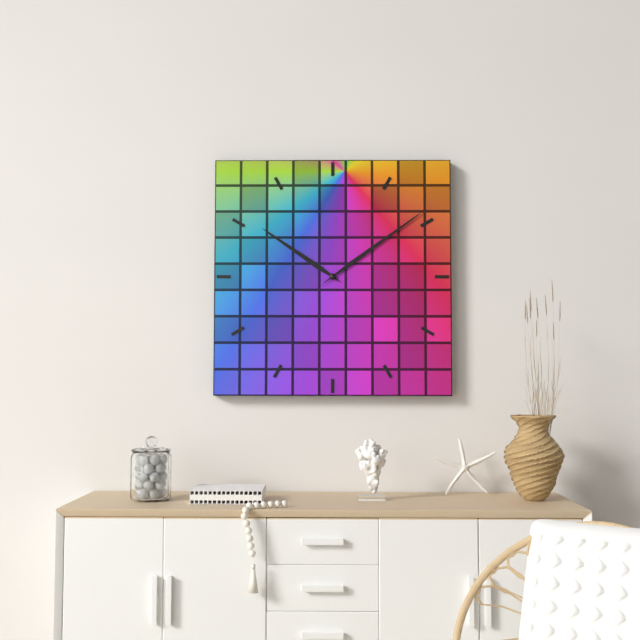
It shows 10h09
